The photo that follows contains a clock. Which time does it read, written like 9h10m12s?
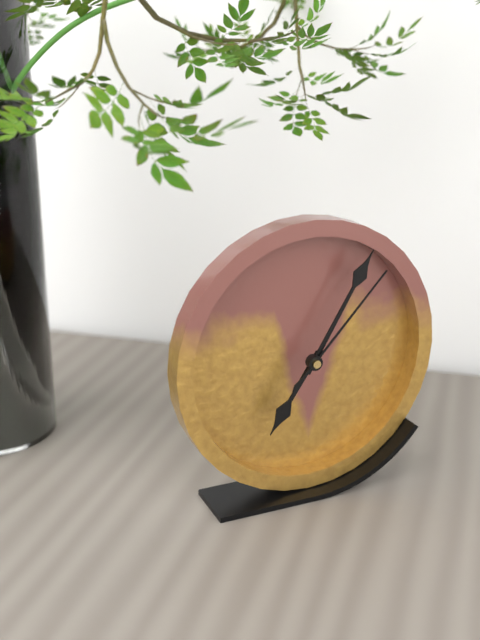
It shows 7h05m07s
